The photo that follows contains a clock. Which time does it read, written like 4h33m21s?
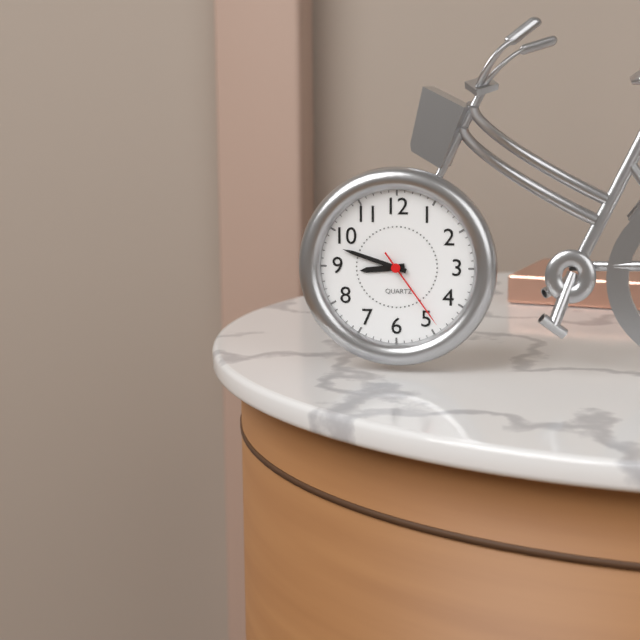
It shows 8h48m24s
